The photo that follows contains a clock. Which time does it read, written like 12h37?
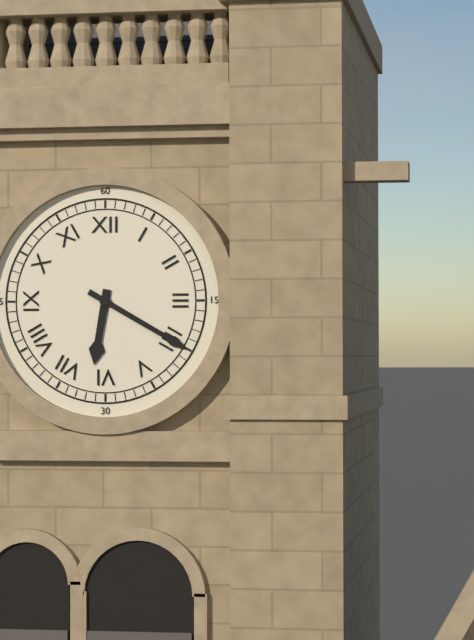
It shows 6h20
